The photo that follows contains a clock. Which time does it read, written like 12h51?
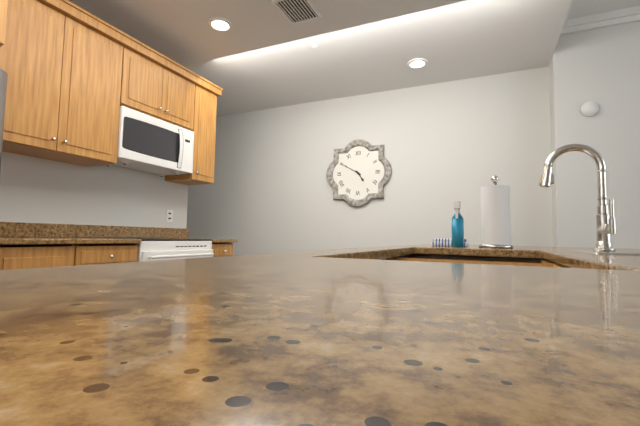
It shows 4h50
